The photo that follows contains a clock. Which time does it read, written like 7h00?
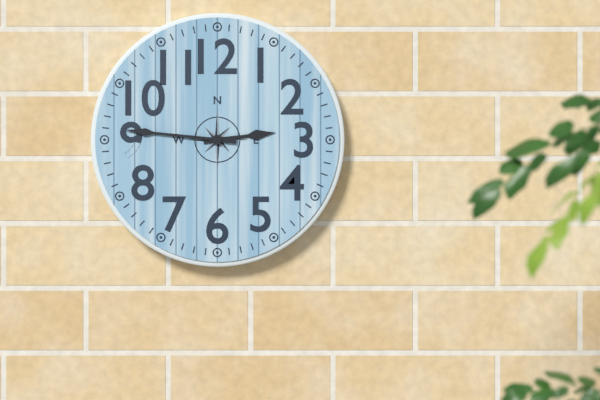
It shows 2h46
